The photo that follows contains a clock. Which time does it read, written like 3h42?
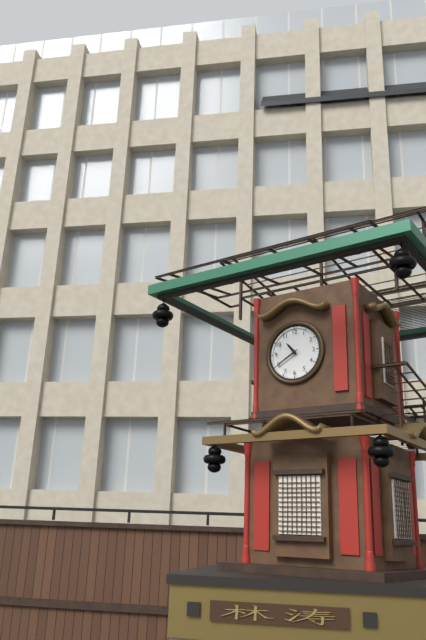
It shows 10h40
